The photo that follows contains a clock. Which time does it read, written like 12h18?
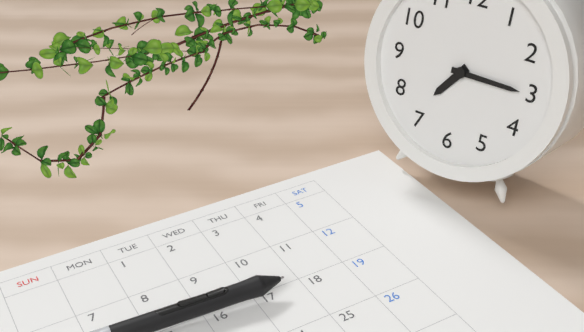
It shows 7h15
